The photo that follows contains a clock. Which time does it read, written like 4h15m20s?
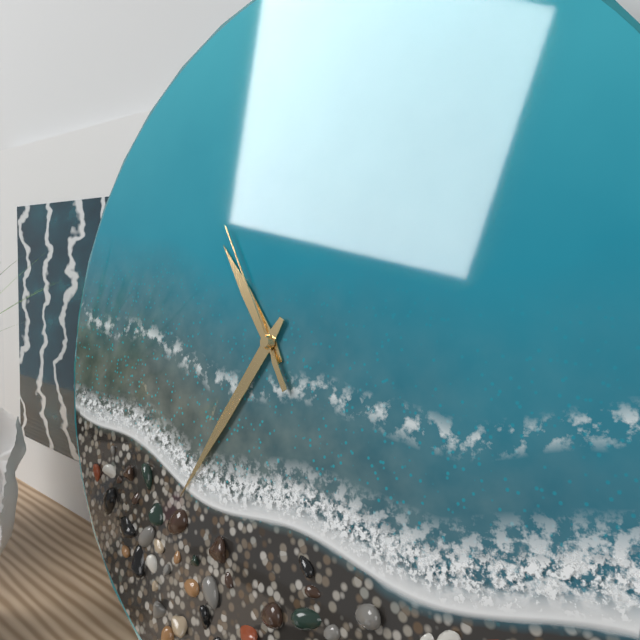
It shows 10h35m54s
